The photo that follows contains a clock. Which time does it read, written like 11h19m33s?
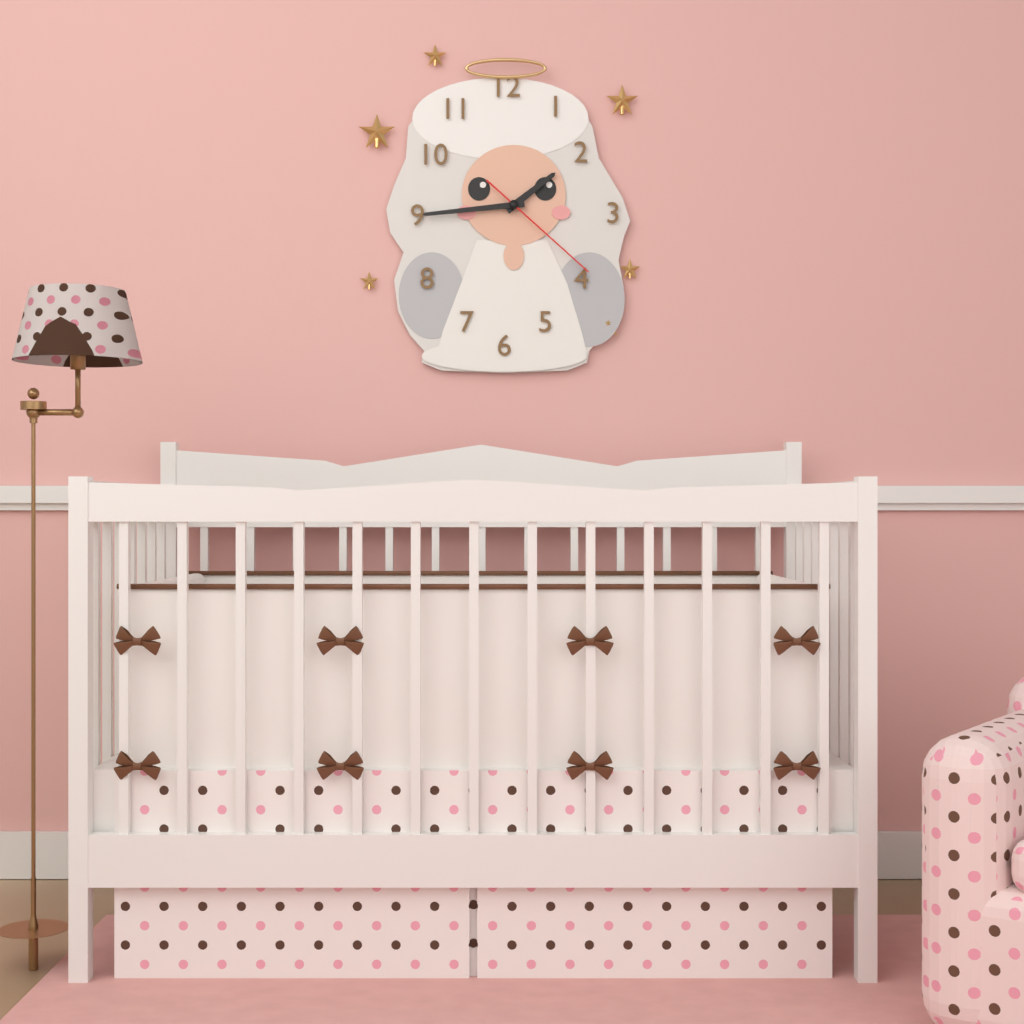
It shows 1h44m22s
